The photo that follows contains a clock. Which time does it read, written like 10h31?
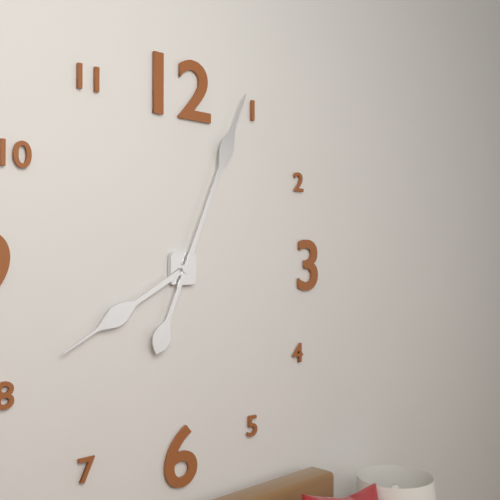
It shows 8h04
